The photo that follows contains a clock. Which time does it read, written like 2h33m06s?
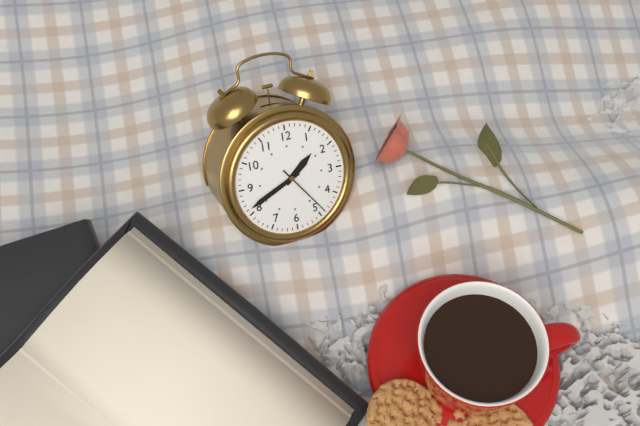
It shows 1h41m24s
